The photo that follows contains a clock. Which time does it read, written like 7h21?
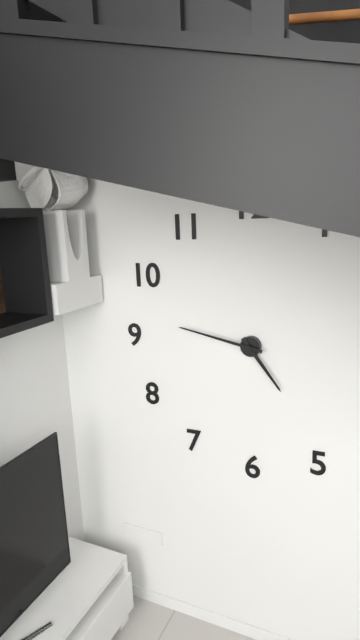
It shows 4h47
